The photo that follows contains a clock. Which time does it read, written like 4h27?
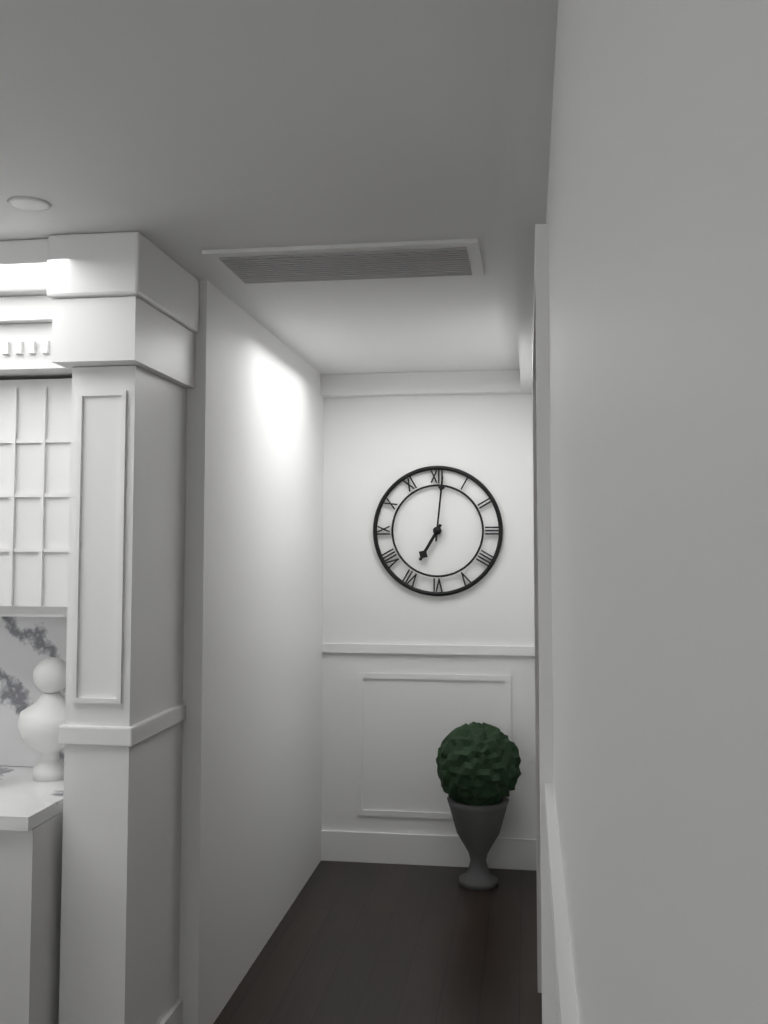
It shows 7h01
